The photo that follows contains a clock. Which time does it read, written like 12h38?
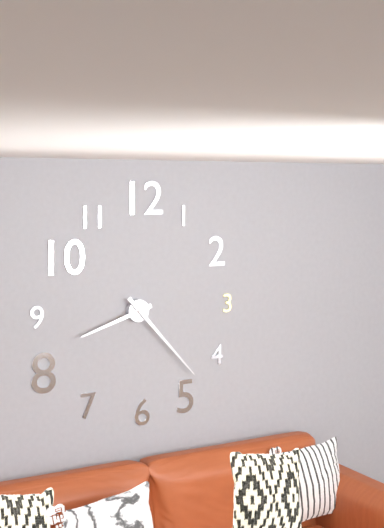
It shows 8h23
